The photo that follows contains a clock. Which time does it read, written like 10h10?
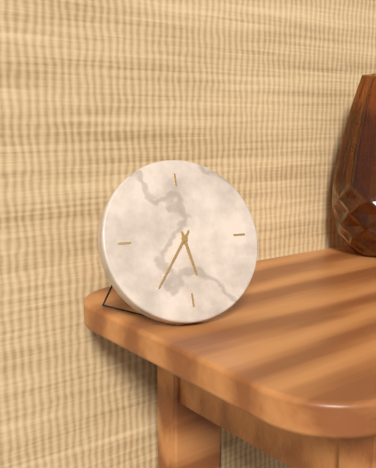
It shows 5h36
